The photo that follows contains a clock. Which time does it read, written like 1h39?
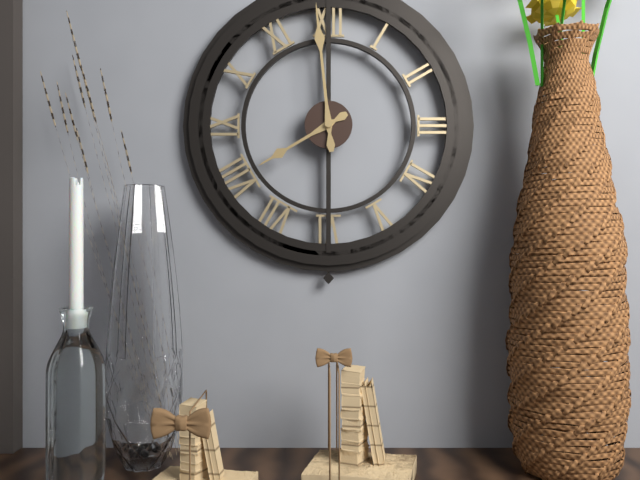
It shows 7h59
